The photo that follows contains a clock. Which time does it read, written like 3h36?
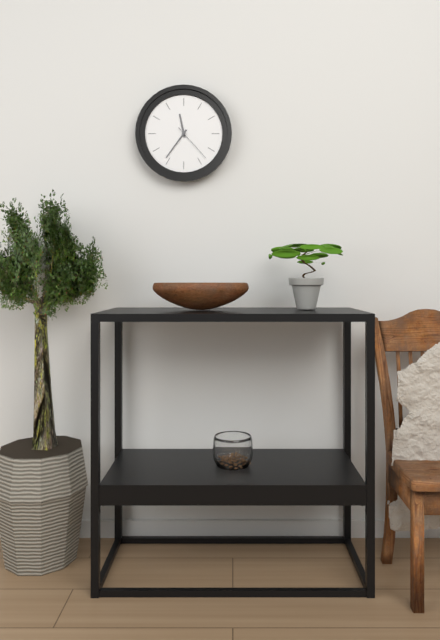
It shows 11h36
